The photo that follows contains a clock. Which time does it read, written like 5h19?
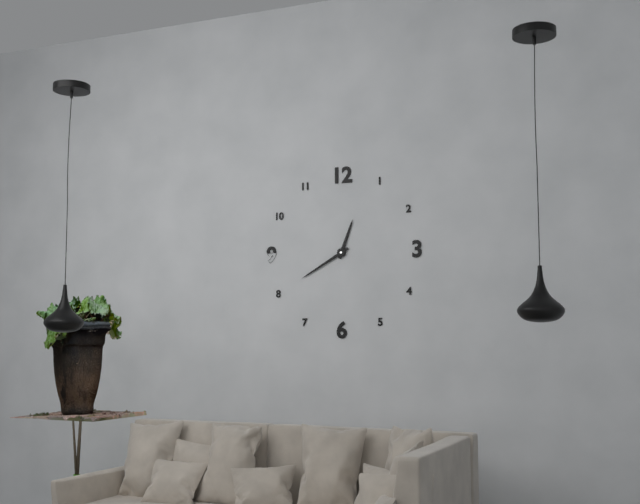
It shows 12h40
